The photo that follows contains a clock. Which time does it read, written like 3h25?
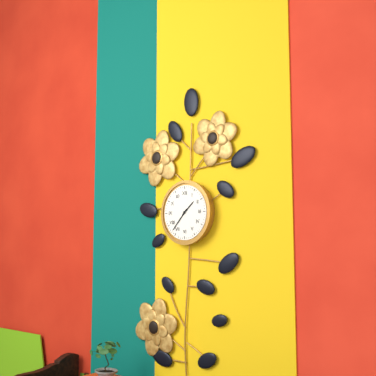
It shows 1h37
